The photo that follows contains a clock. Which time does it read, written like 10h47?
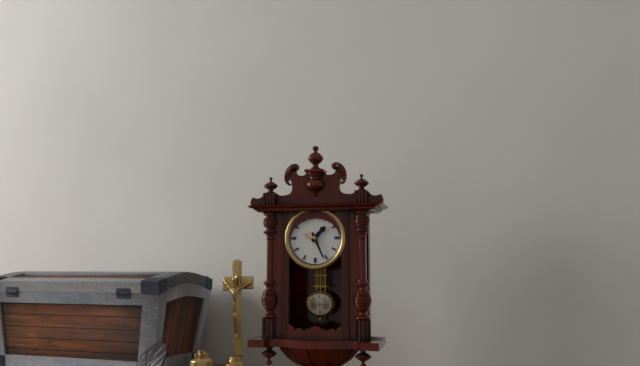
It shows 1h26
